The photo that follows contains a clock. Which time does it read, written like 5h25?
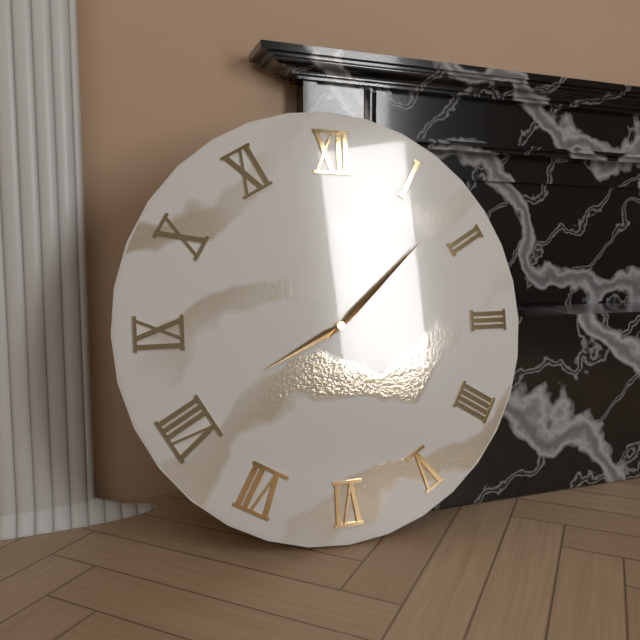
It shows 8h08
